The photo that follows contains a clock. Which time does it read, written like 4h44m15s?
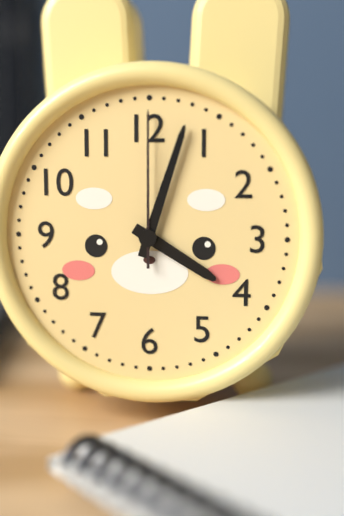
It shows 4h03m00s
